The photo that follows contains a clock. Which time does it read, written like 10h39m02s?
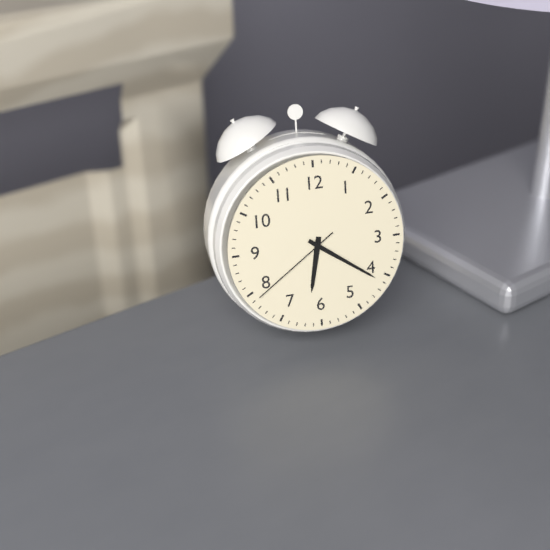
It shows 6h21m39s
